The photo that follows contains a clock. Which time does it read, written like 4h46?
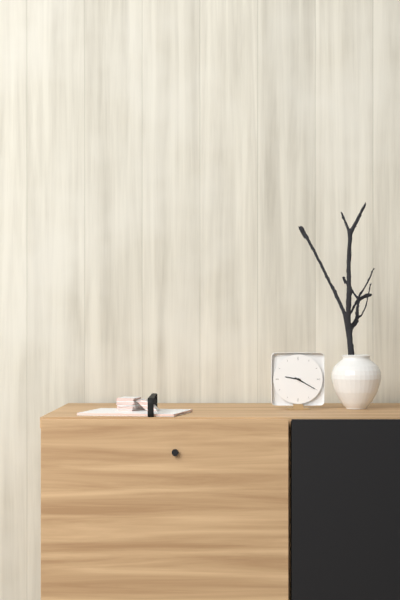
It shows 9h20
